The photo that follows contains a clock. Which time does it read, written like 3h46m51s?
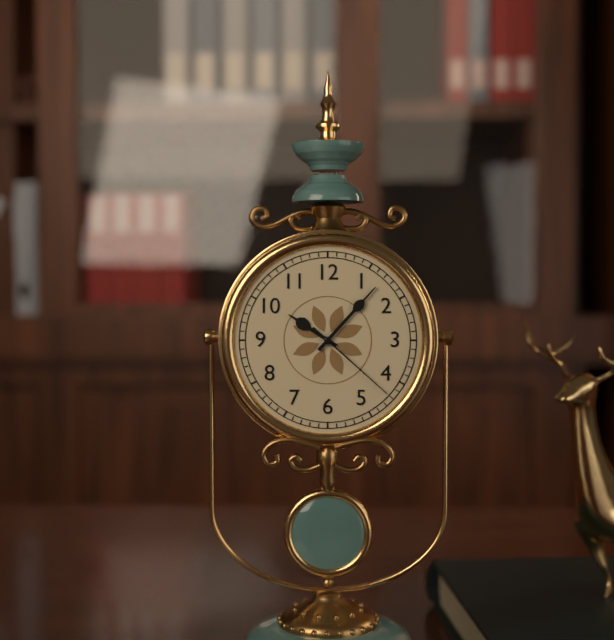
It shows 10h07m22s
